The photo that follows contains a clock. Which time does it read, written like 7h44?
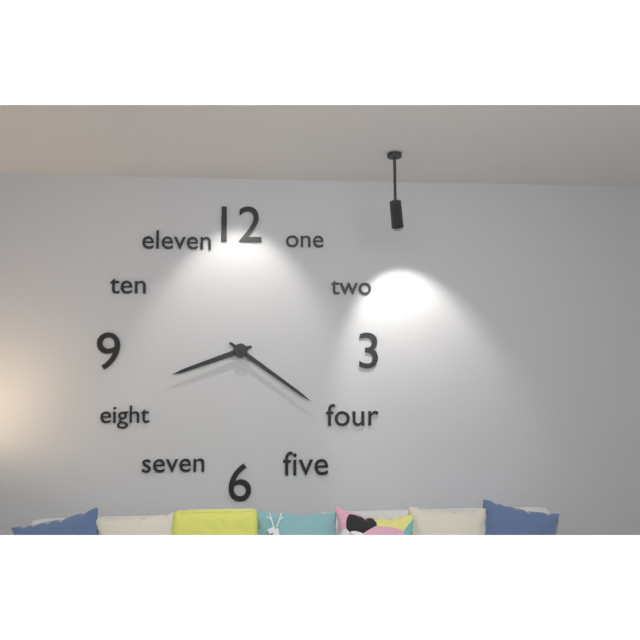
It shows 8h21
